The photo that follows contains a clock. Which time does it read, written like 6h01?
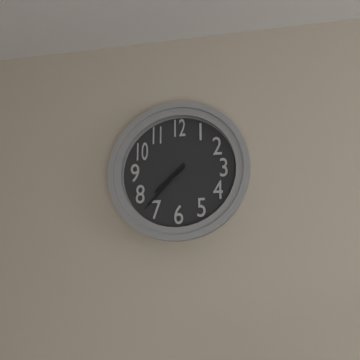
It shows 7h37
